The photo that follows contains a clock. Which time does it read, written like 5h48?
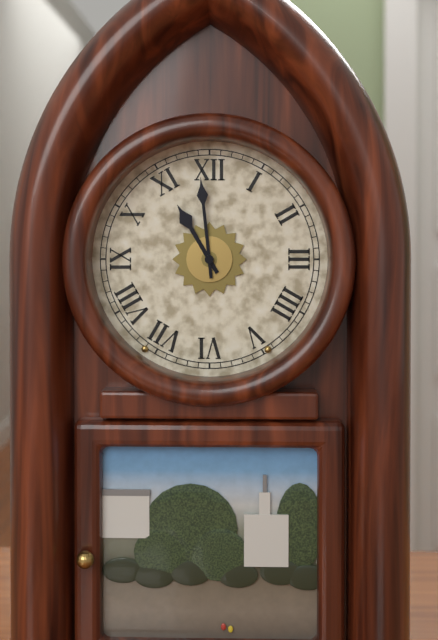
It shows 10h59
